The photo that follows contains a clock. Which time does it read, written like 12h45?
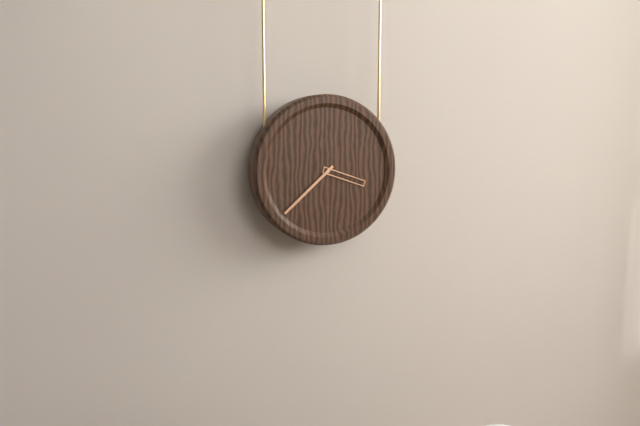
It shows 3h38
